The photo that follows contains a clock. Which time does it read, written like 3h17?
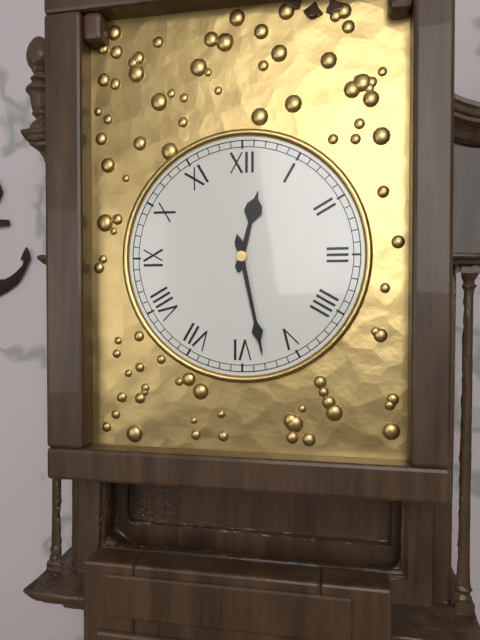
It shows 12h28
